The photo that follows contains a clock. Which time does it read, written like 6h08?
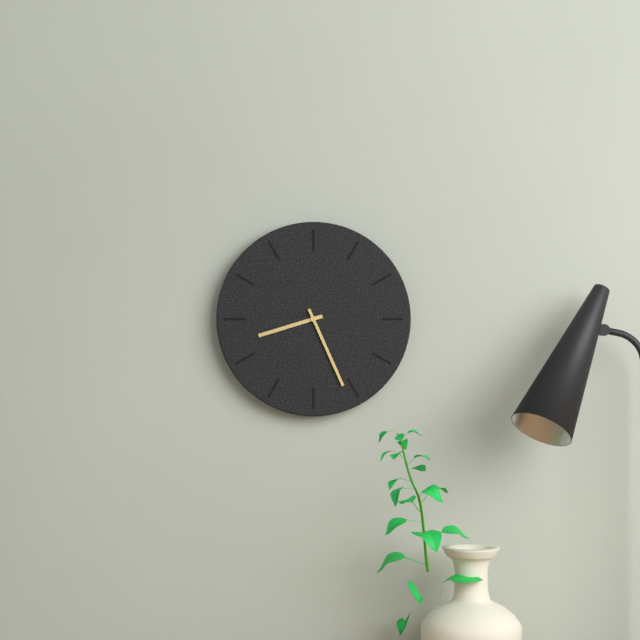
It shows 8h26
